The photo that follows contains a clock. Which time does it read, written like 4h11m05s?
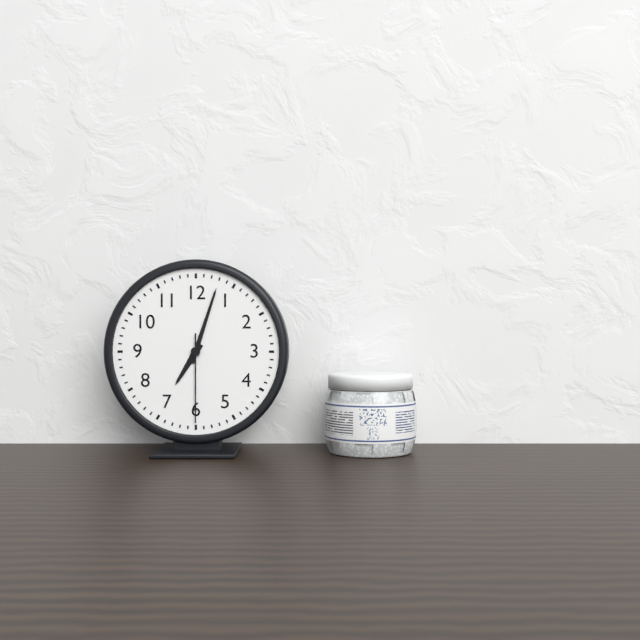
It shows 7h03m30s
